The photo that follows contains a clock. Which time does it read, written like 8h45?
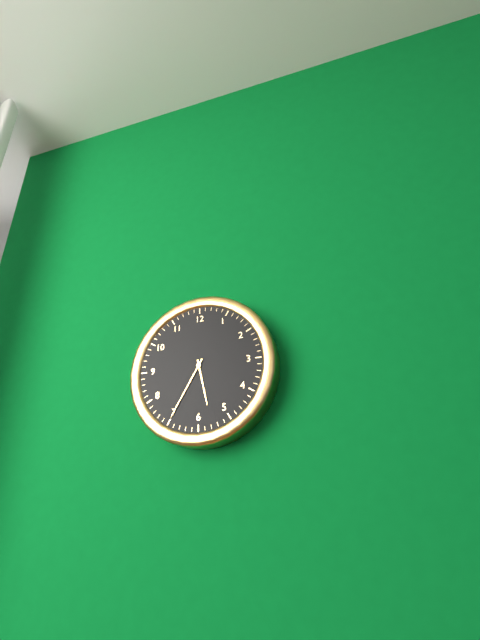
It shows 5h35
